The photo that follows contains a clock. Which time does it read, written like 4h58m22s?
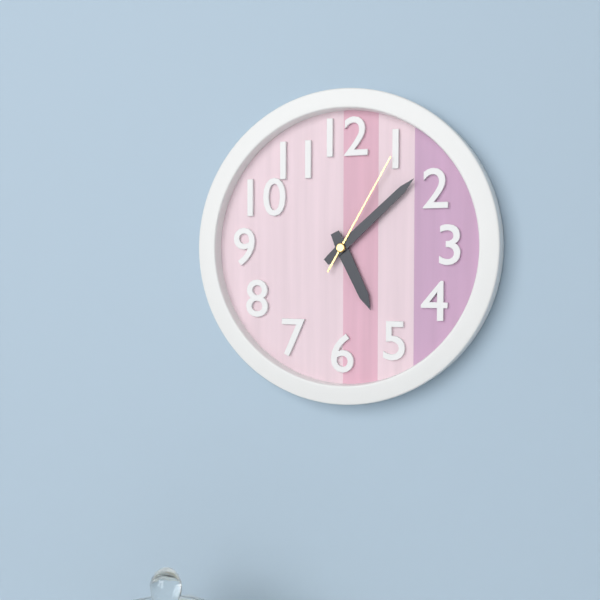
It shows 5h08m05s
